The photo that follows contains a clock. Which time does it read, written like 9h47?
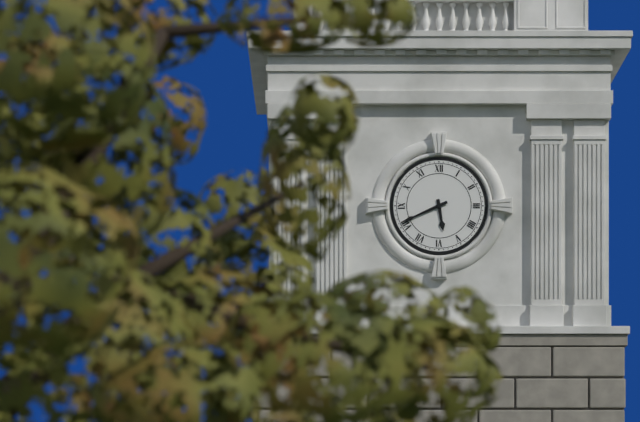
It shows 5h41
